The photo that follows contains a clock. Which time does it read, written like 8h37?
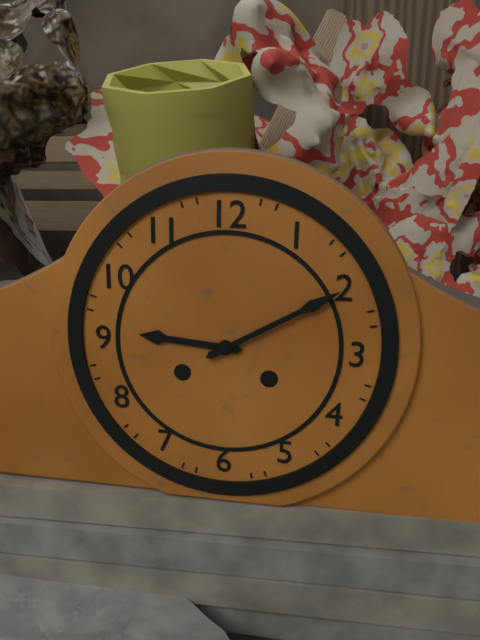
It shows 9h10
